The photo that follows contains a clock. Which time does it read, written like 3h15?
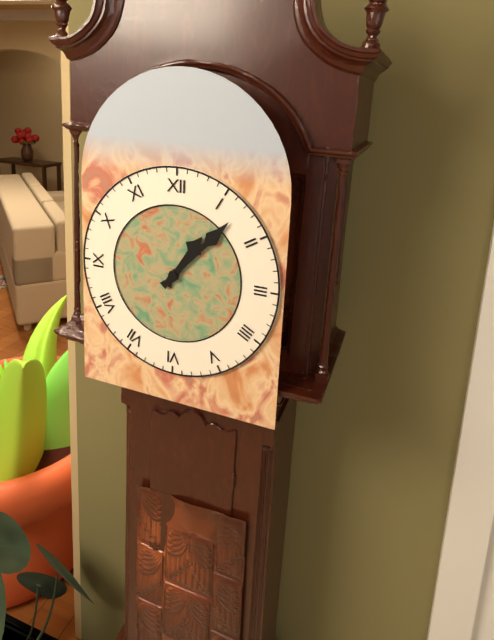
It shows 1h07
